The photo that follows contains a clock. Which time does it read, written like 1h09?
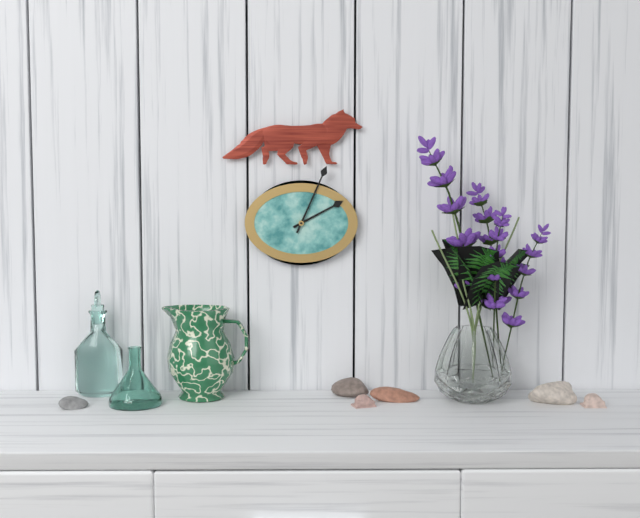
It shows 2h04
